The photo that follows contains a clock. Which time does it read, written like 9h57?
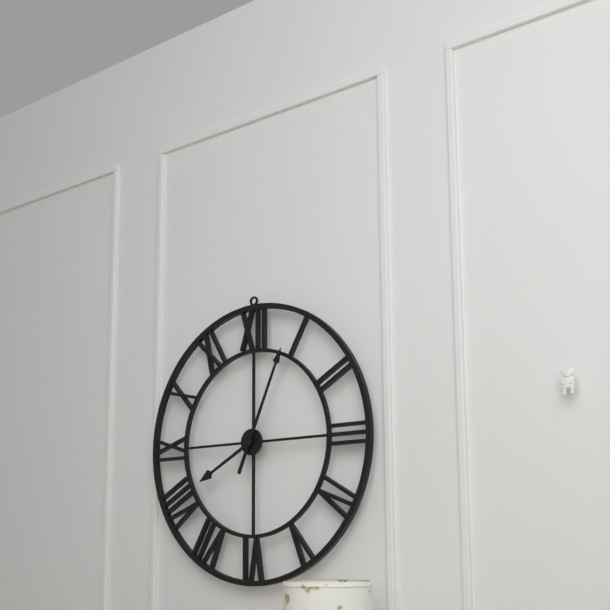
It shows 8h04
